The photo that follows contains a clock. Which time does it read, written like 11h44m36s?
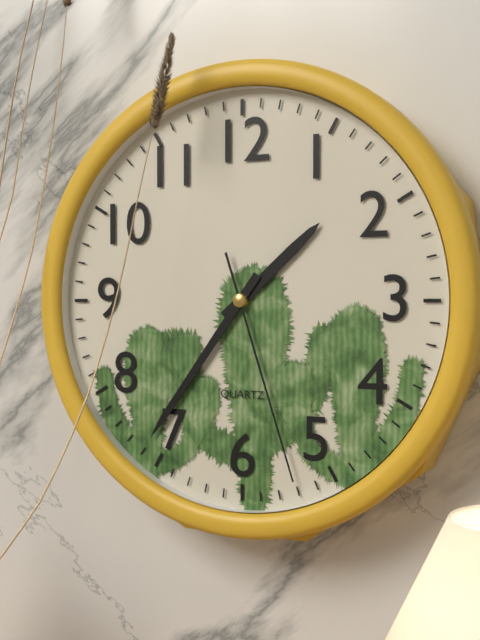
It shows 1h36m27s
